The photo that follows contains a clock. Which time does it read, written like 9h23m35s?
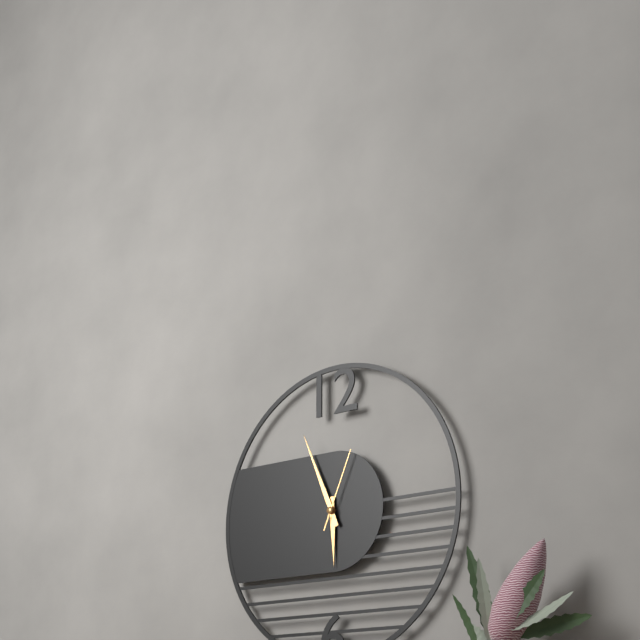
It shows 5h56m04s
